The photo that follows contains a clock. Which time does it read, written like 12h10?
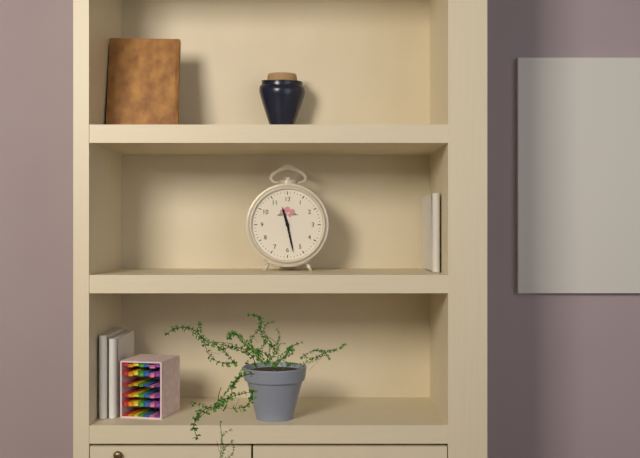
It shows 11h28
